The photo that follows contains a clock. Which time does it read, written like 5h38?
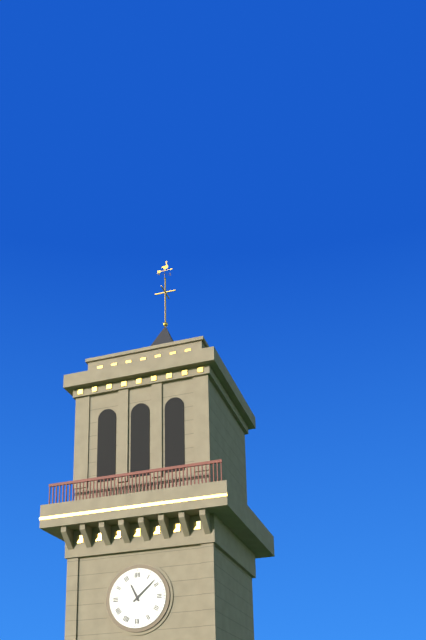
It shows 11h08
